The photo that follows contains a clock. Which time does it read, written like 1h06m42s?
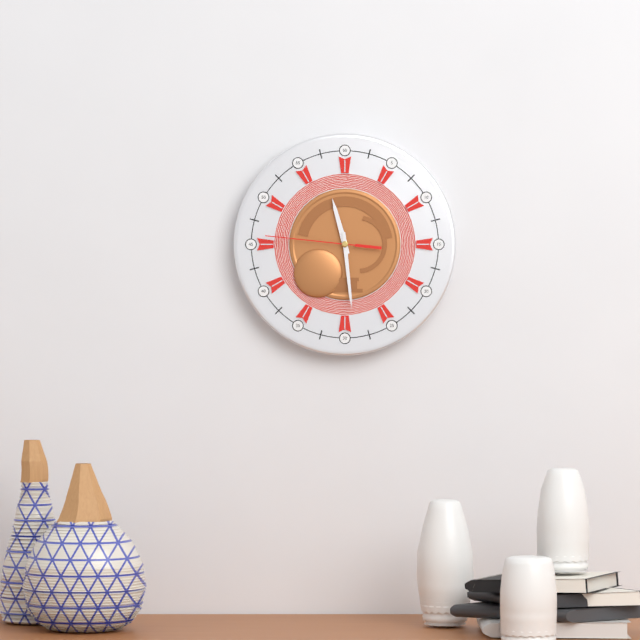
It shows 11h29m46s
